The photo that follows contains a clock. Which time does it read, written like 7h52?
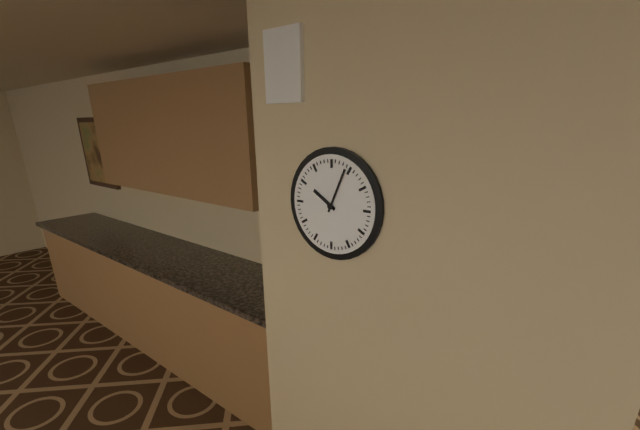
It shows 10h04
